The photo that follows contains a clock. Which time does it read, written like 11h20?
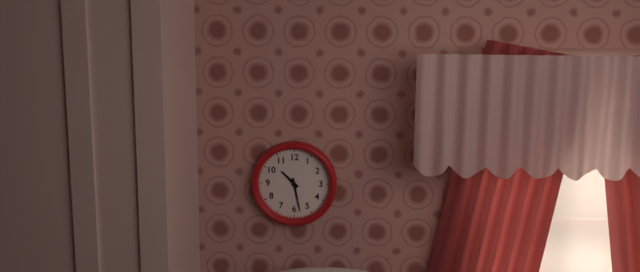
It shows 10h28
